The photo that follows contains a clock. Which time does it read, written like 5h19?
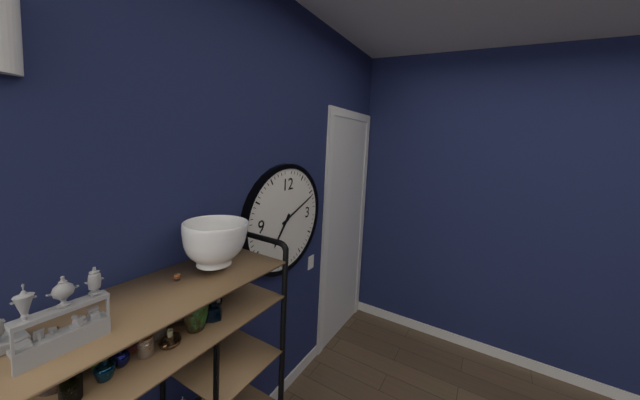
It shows 7h11
